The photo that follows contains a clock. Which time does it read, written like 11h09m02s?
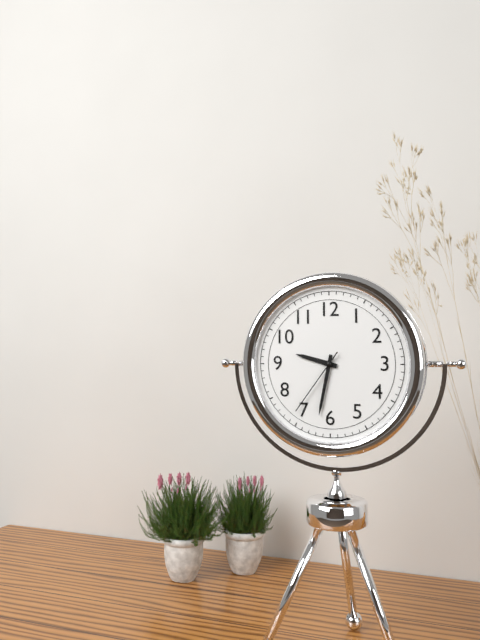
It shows 9h32m36s
